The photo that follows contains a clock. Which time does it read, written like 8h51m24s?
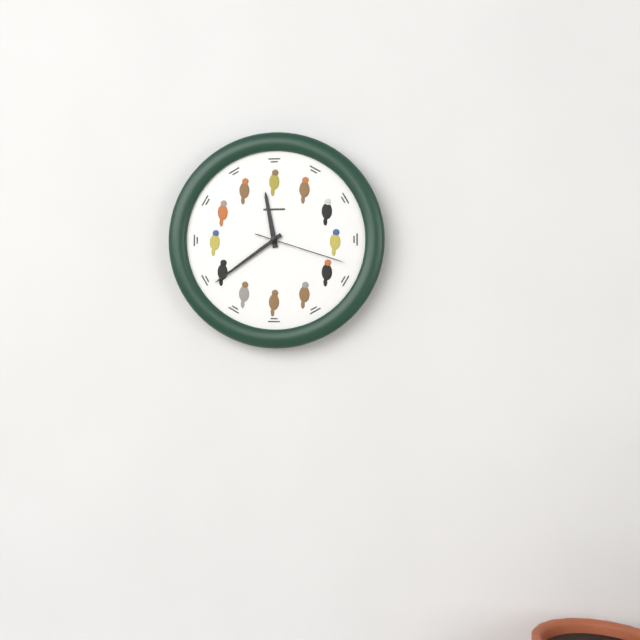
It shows 11h39m18s
